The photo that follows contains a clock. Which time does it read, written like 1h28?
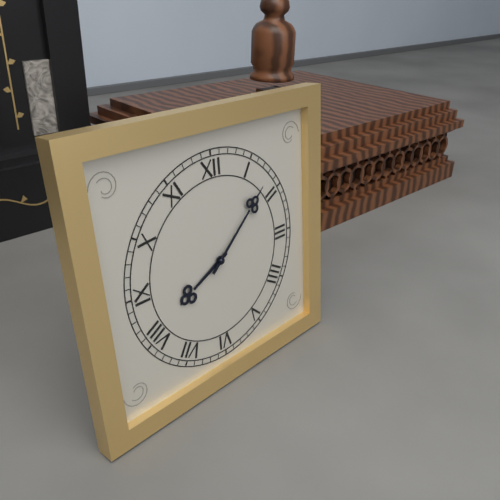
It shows 8h08
